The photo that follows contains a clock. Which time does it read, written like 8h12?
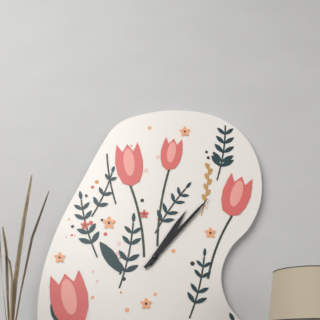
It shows 1h07
